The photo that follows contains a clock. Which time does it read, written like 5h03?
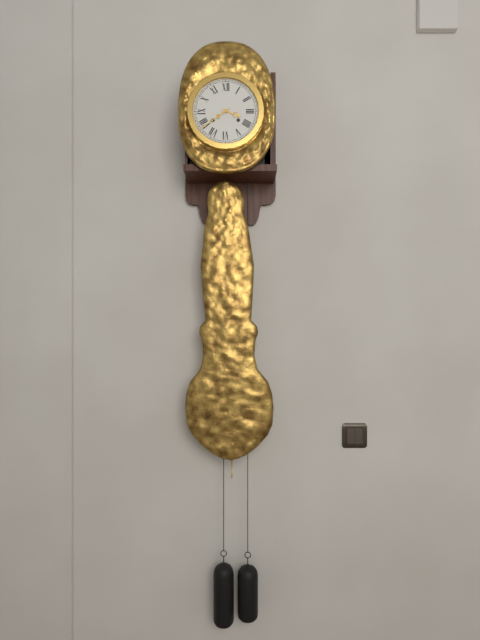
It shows 3h39
